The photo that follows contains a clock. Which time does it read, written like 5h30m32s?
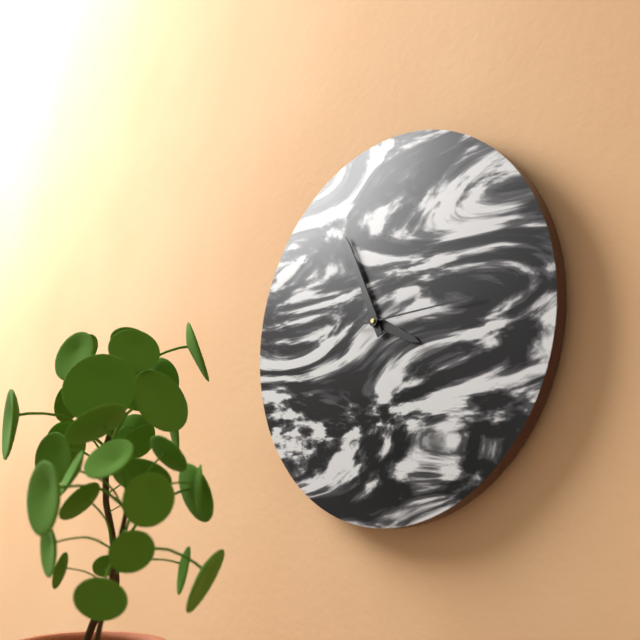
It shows 3h56m15s
